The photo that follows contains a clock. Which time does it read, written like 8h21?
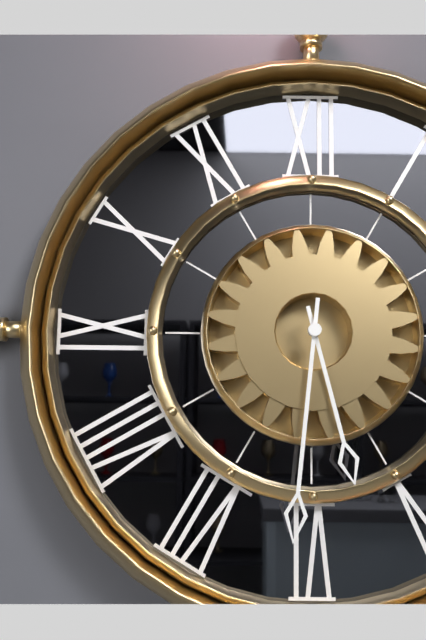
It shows 5h31
